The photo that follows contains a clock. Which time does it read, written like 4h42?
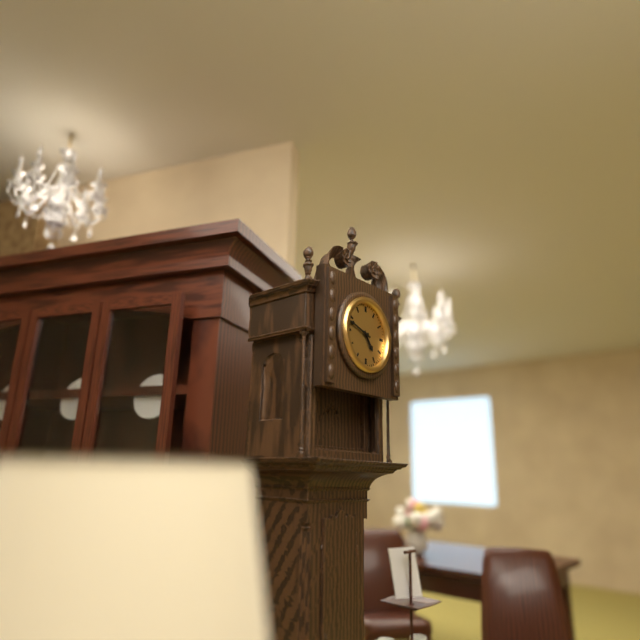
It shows 4h48
